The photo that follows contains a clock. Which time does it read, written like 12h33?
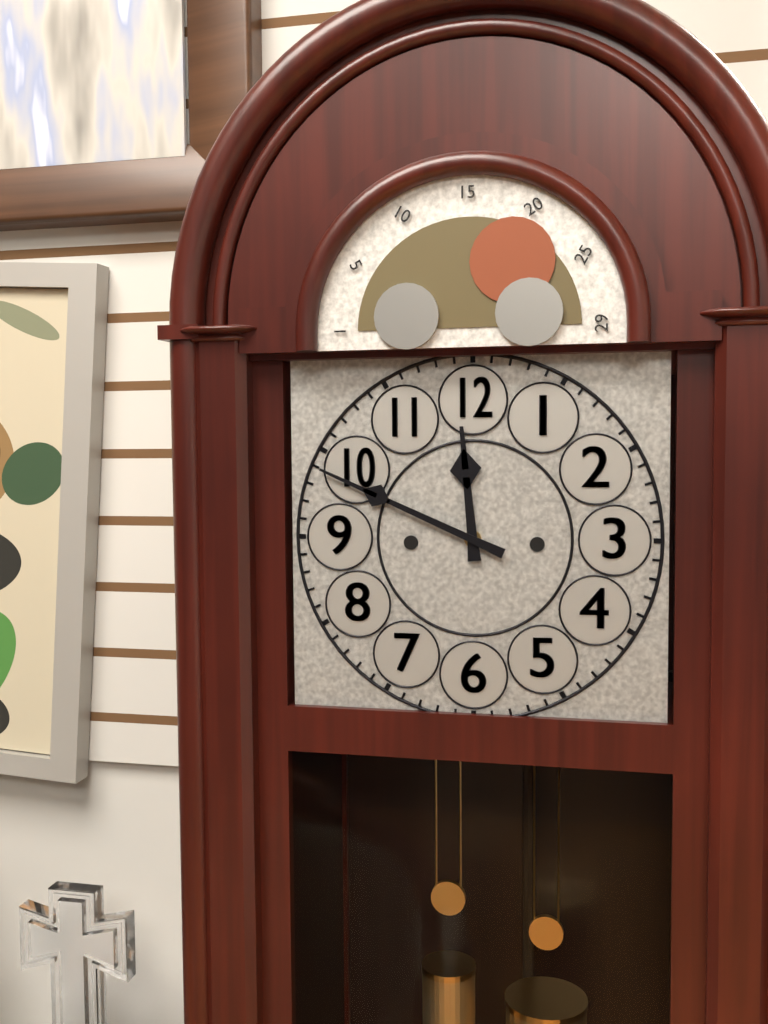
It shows 11h49
